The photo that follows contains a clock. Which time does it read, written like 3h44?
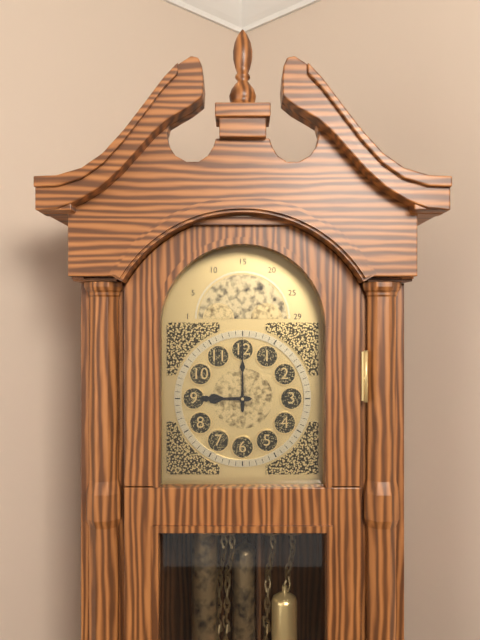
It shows 9h00
